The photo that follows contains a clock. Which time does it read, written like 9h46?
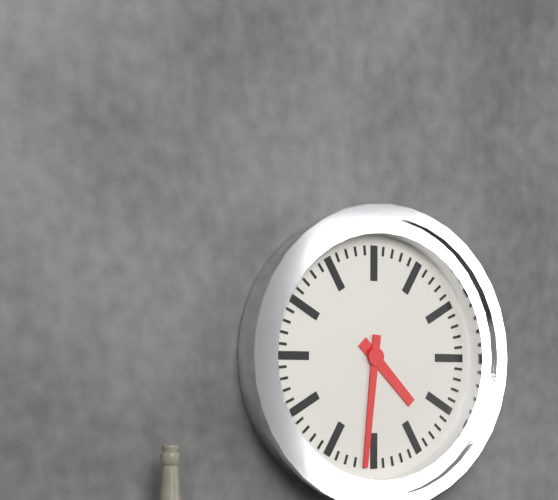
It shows 4h31
